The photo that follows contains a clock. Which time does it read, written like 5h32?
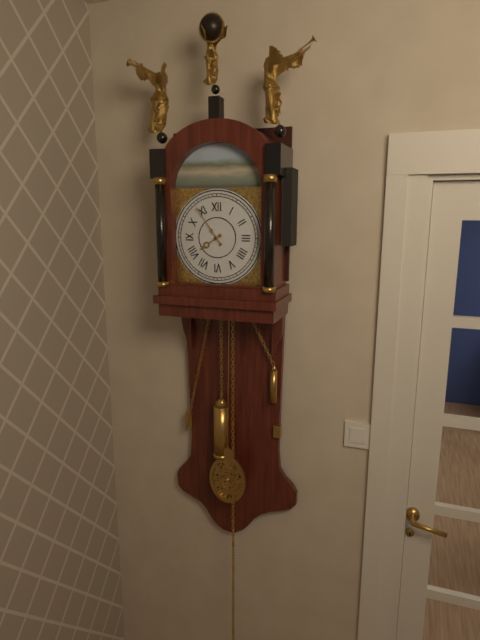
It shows 7h54
